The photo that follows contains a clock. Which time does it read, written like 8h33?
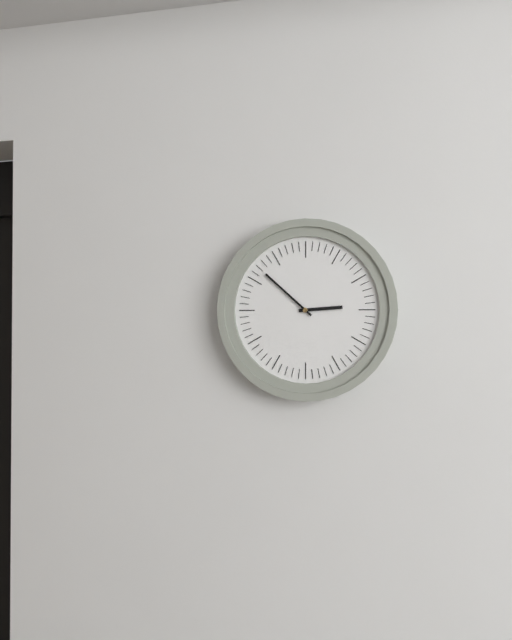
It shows 2h52
